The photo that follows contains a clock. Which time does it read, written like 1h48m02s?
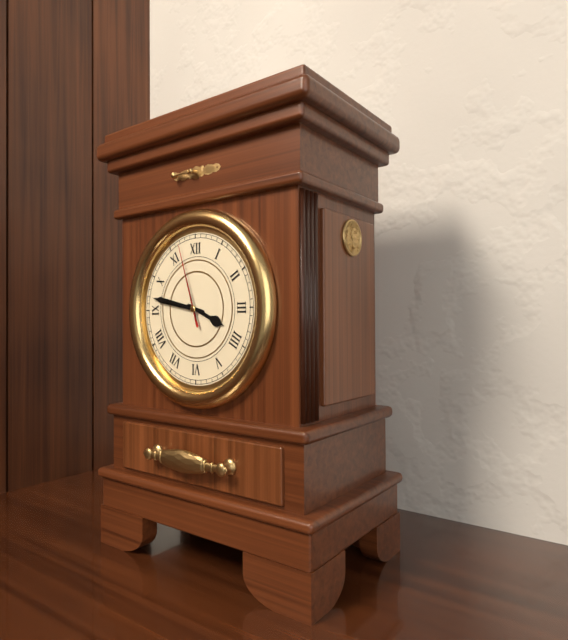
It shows 3h47m57s
